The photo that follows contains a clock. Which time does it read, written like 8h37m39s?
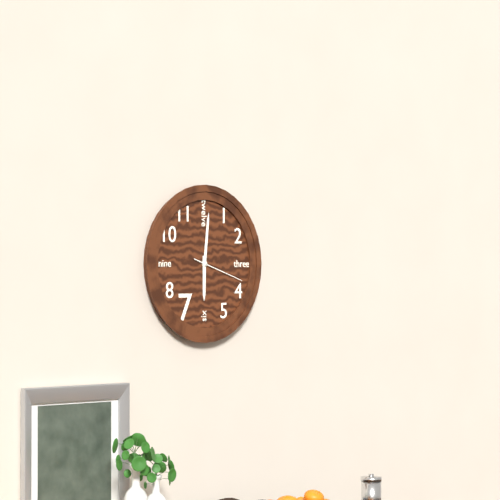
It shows 6h01m18s
